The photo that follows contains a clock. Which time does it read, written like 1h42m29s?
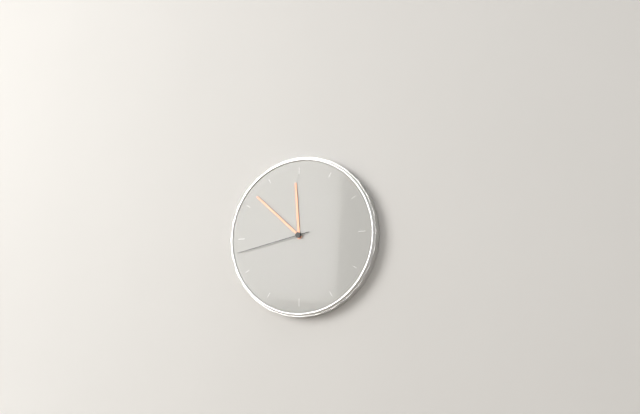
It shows 11h52m43s
